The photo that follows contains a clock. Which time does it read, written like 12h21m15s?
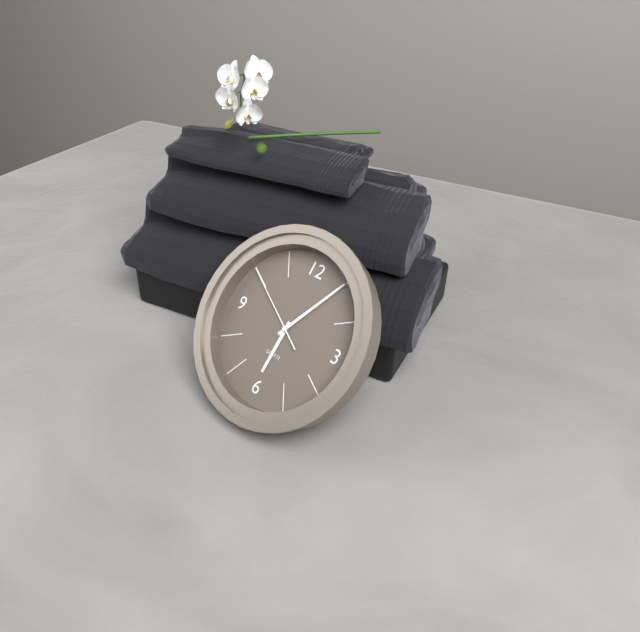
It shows 6h05m50s
